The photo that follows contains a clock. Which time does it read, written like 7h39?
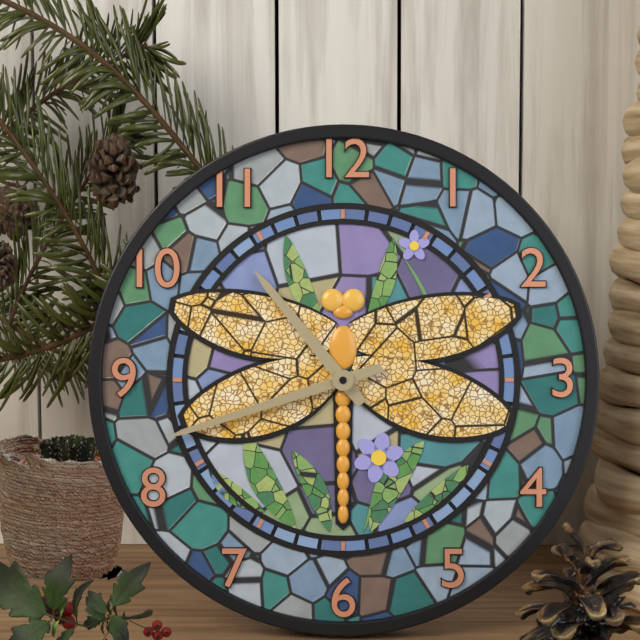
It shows 10h42
